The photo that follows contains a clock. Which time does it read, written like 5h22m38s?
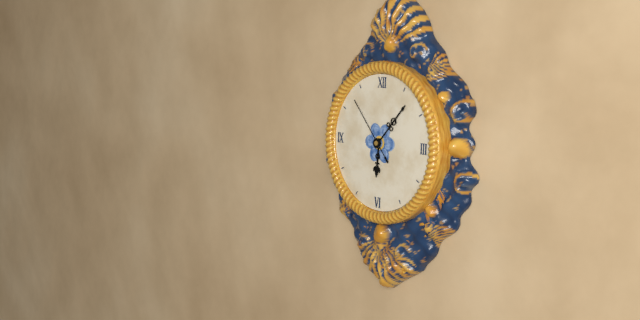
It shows 6h07m53s
